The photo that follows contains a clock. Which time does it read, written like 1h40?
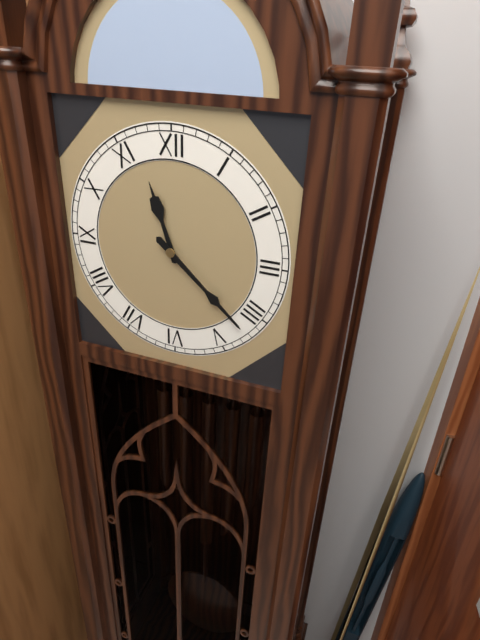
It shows 11h22
